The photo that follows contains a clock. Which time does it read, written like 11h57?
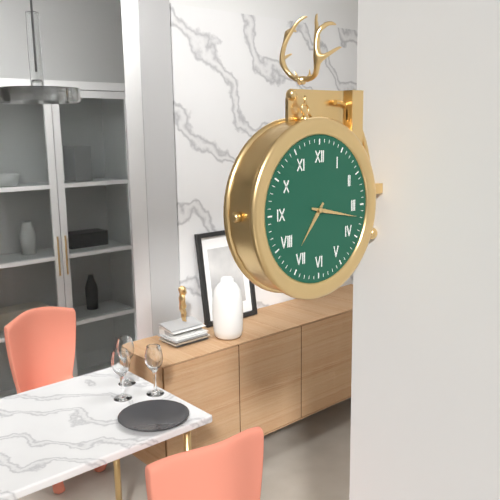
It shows 7h17
